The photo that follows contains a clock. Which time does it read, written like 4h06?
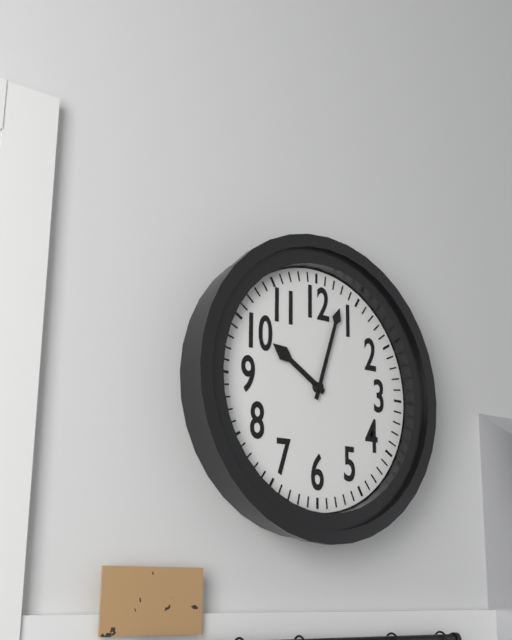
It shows 10h03
